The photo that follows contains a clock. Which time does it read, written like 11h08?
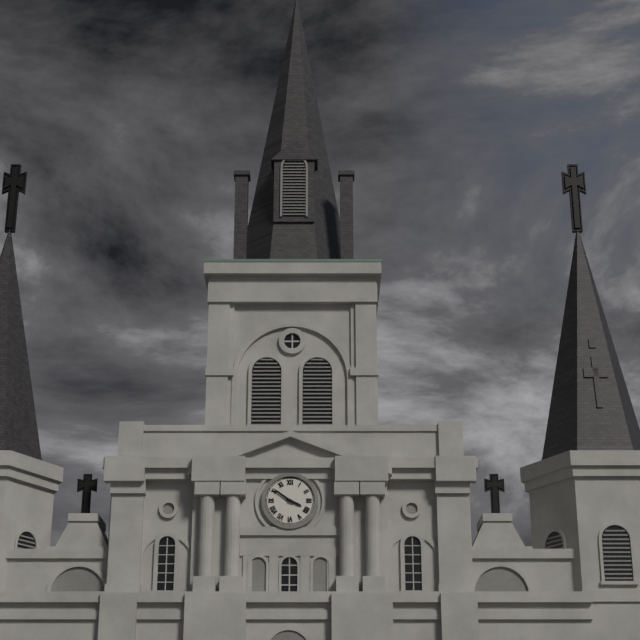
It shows 3h51
